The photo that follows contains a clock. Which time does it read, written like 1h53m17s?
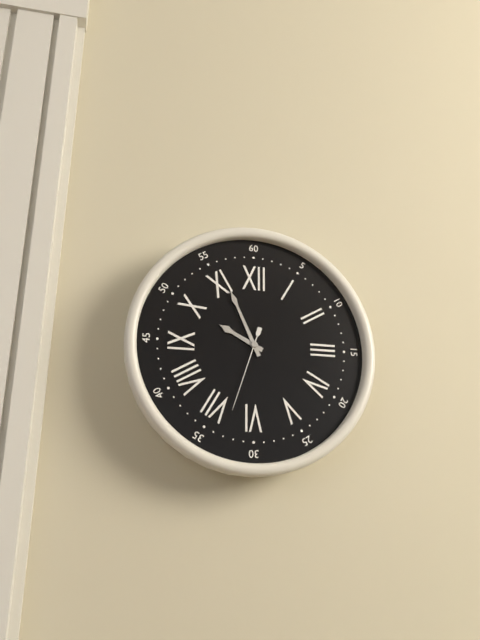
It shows 9h56m33s
